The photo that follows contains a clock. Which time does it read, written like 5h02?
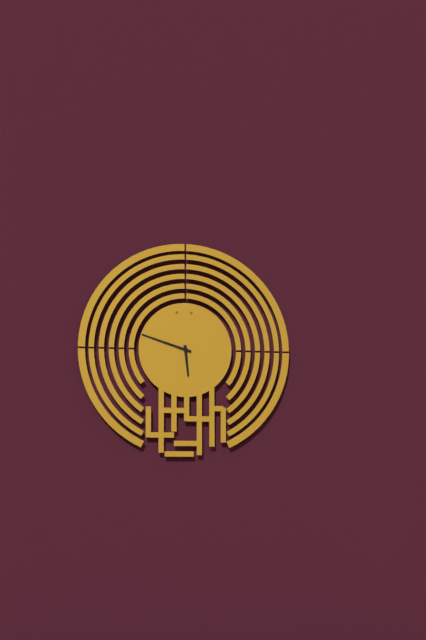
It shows 5h48
